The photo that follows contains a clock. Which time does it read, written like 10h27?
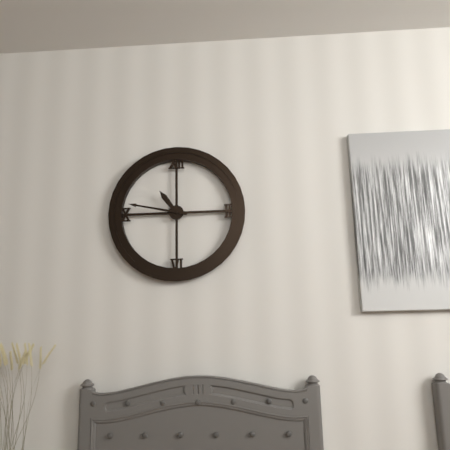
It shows 10h47
